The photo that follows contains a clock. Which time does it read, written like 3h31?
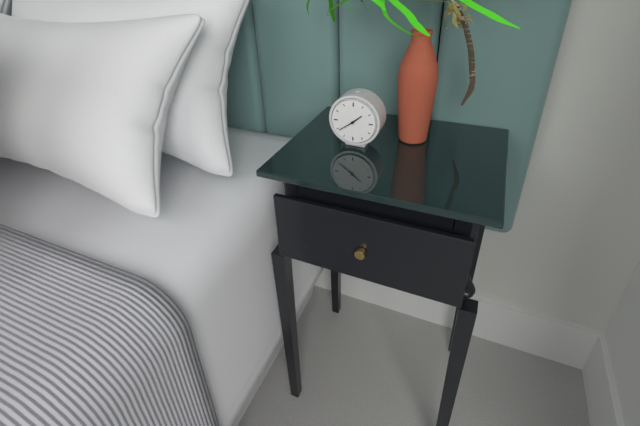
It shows 1h39
